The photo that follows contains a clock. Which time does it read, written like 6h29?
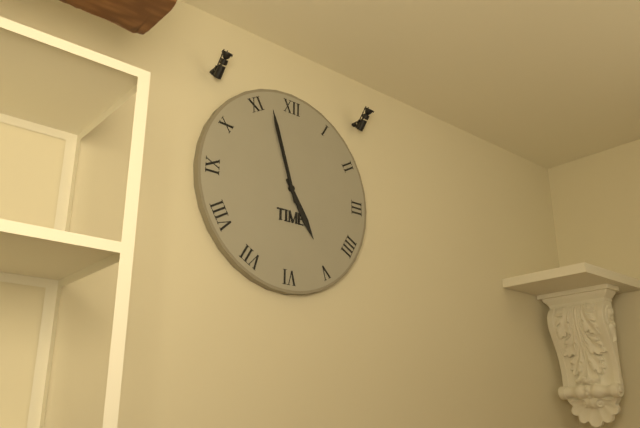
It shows 4h57
